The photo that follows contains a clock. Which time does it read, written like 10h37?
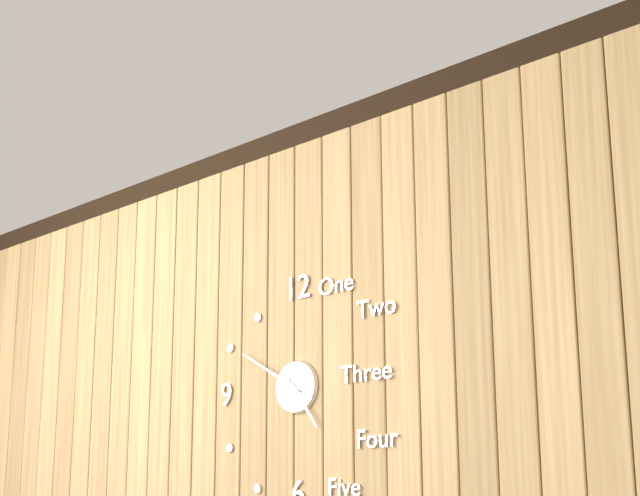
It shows 4h50
